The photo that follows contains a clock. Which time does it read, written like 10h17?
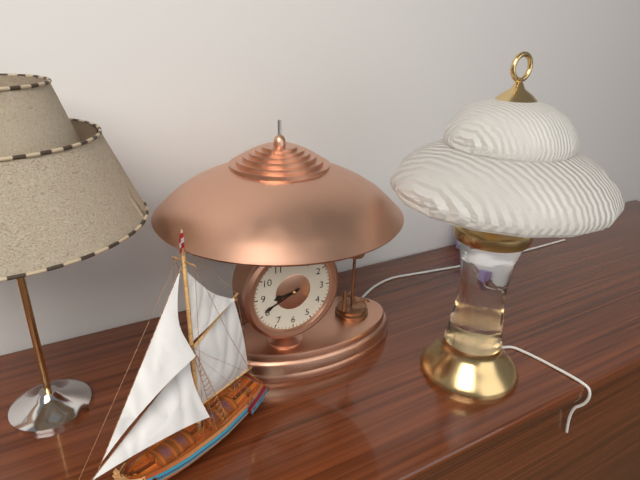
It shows 8h41
